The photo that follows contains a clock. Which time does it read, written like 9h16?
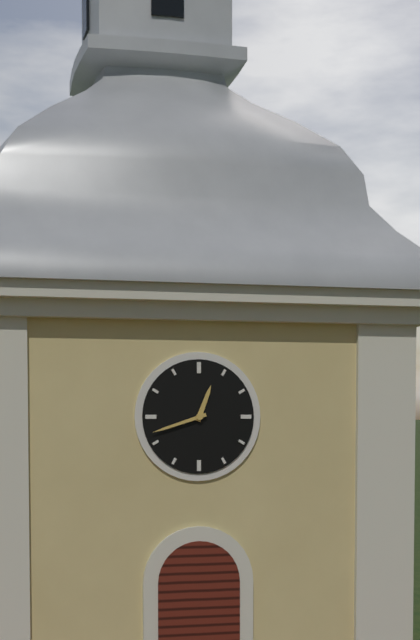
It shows 12h42
